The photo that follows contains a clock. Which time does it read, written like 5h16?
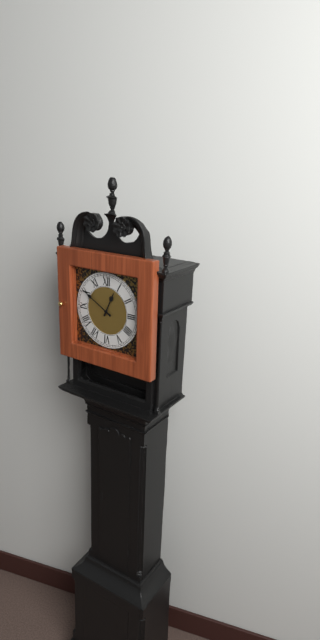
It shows 12h50
